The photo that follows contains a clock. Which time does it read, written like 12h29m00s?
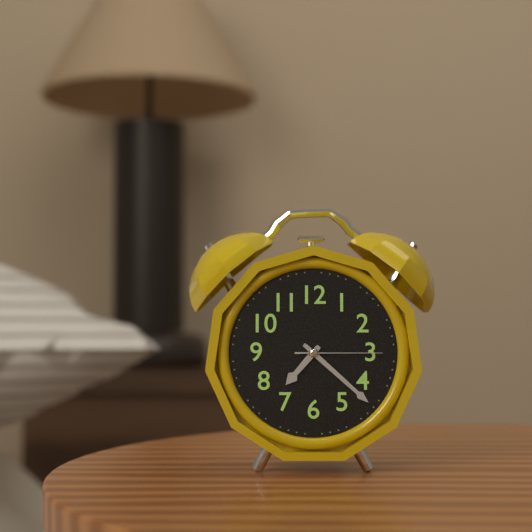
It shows 7h22m15s
